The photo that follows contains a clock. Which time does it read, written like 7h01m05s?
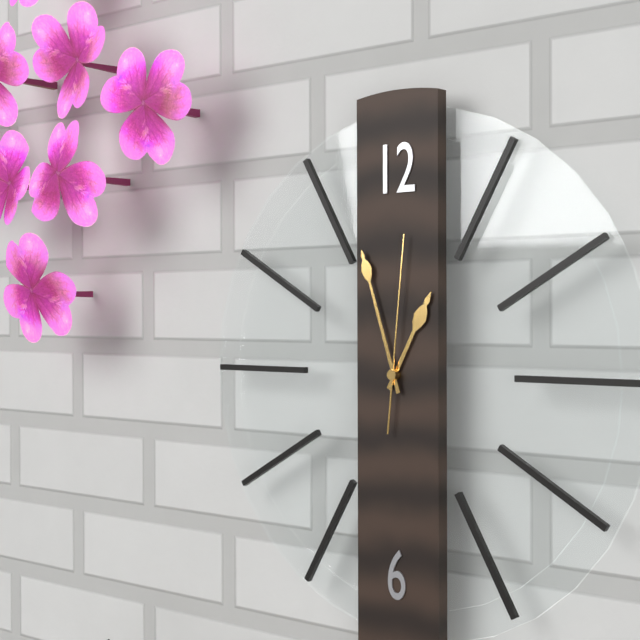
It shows 12h57m01s
